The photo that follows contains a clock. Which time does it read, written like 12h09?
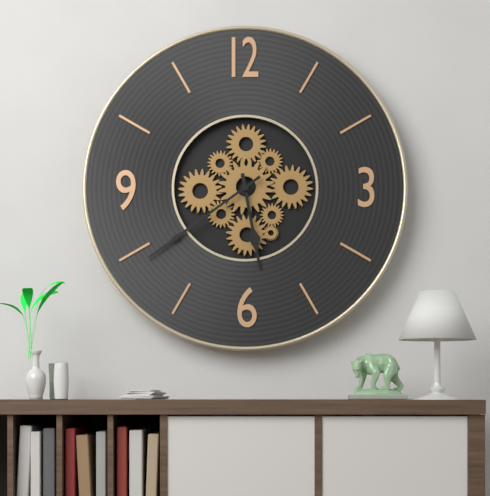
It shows 5h39
